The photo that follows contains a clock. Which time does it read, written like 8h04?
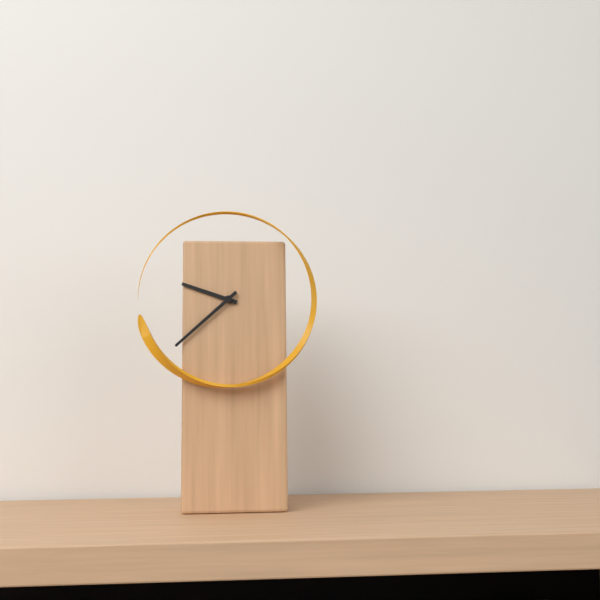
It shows 9h38
